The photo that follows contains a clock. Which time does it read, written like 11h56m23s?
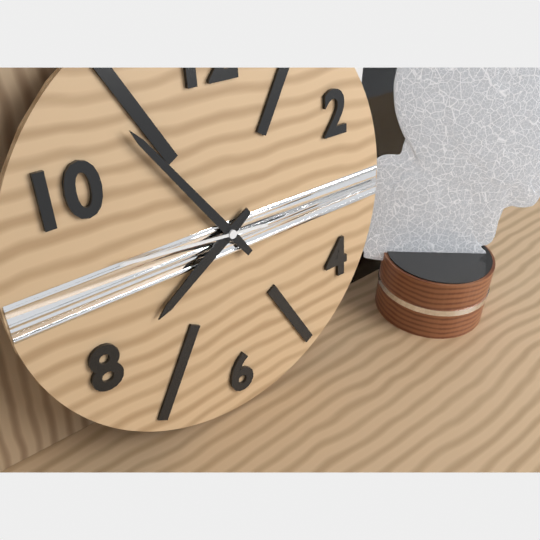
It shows 7h54m46s
